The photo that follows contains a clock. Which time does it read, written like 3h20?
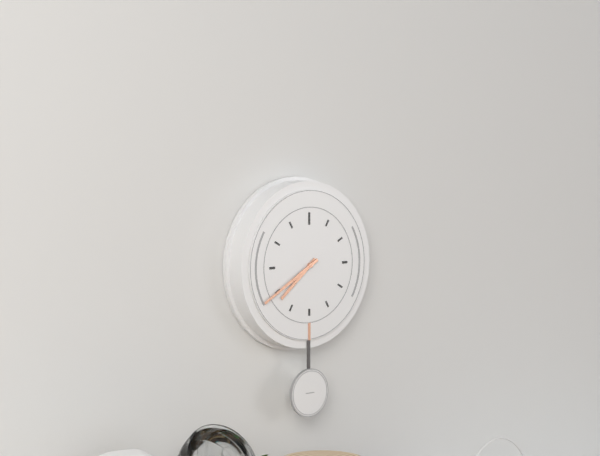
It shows 7h40
